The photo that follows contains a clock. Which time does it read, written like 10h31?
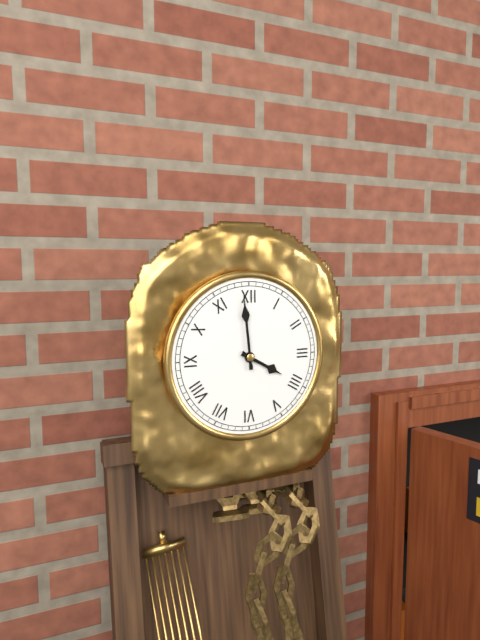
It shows 3h59
